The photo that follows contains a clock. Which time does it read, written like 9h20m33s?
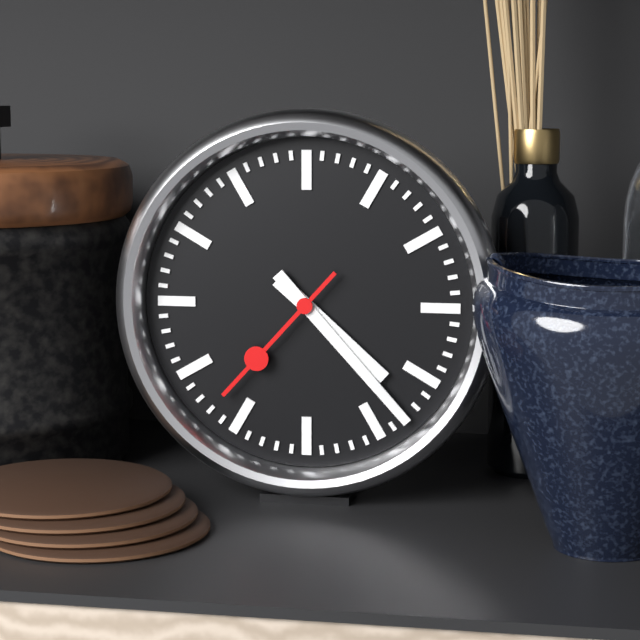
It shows 4h23m37s
